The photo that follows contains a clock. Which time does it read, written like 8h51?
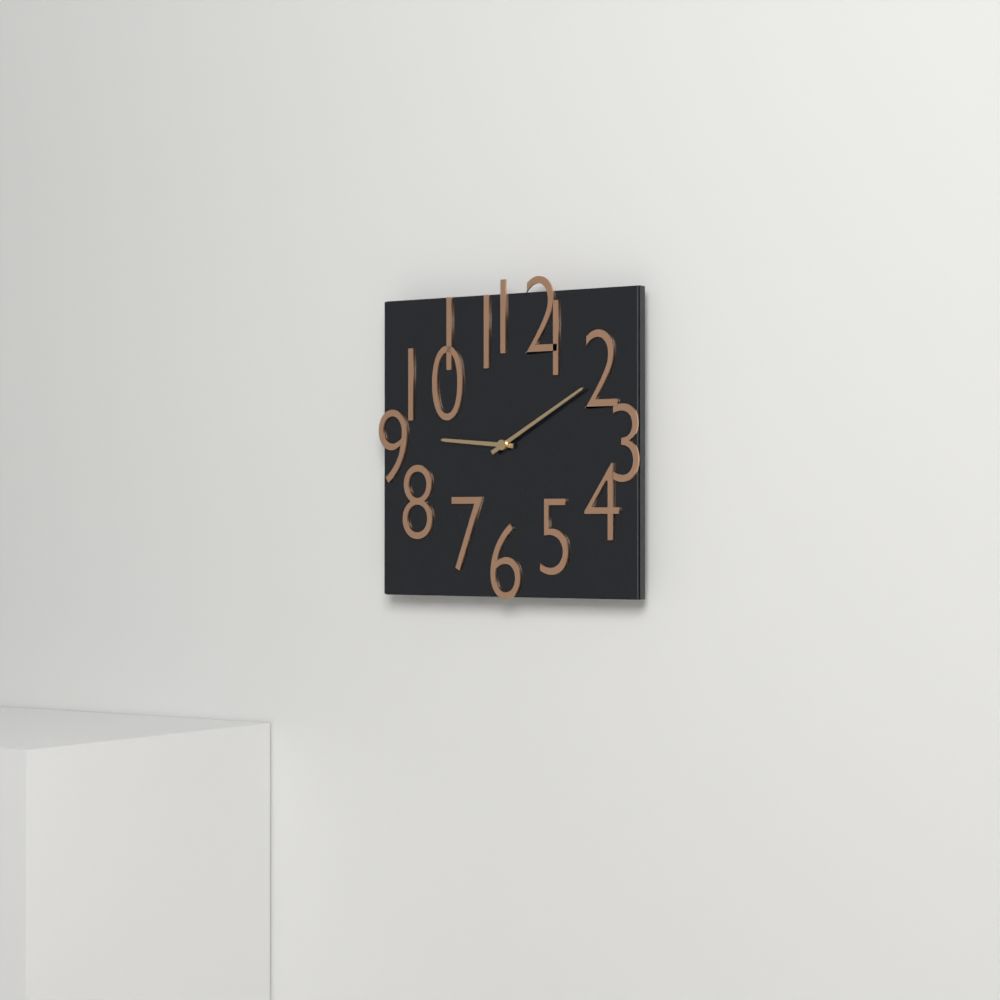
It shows 9h10
